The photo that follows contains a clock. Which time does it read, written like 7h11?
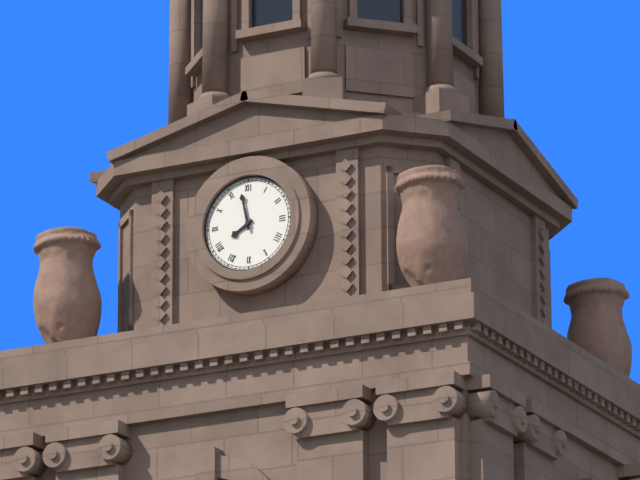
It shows 7h58
